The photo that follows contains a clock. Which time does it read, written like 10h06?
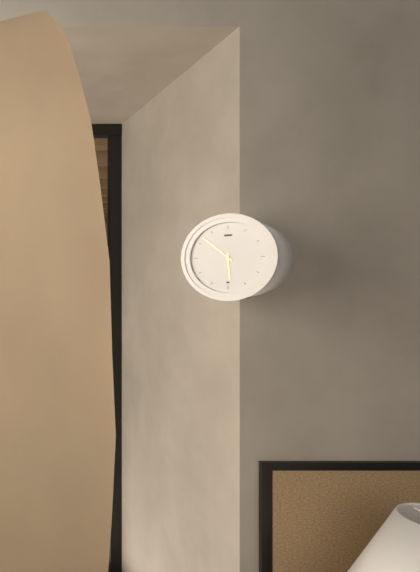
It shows 5h52
